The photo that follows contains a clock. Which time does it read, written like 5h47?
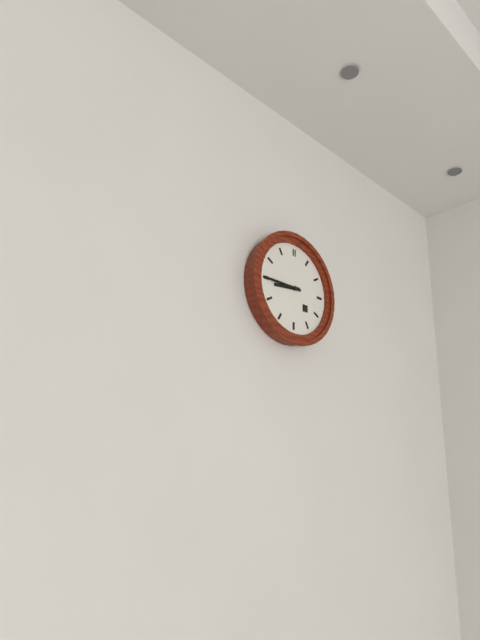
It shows 8h45
